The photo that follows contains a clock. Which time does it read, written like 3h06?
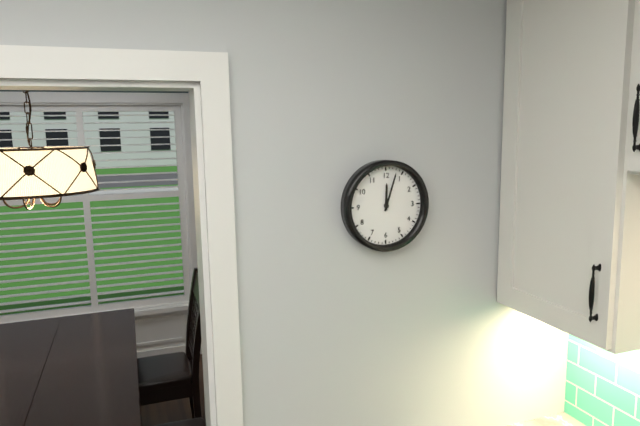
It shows 12h03
